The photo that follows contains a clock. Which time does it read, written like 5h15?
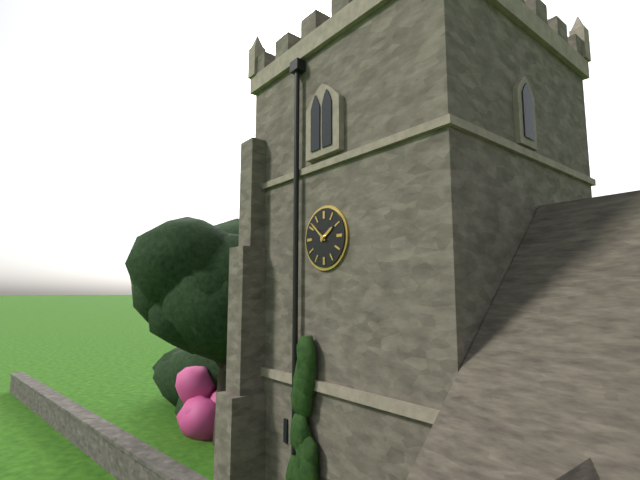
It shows 1h52
